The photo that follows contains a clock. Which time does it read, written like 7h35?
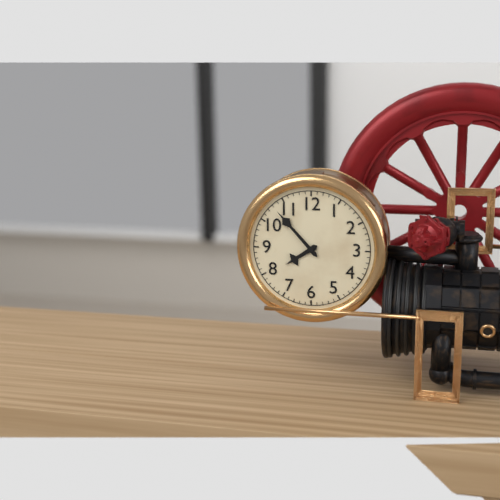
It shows 7h53
